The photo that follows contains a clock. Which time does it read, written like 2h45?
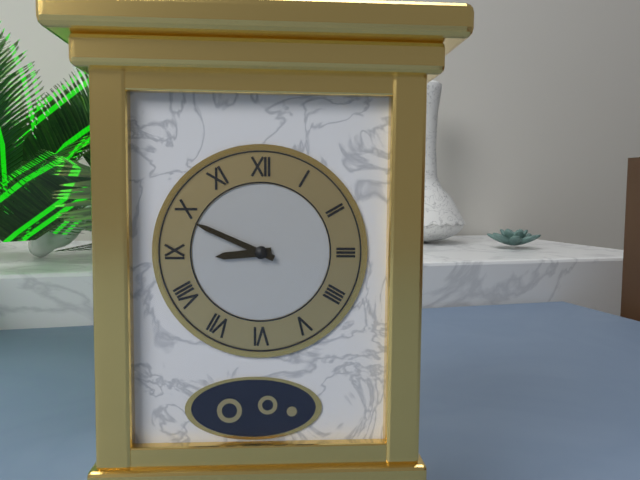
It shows 8h49
